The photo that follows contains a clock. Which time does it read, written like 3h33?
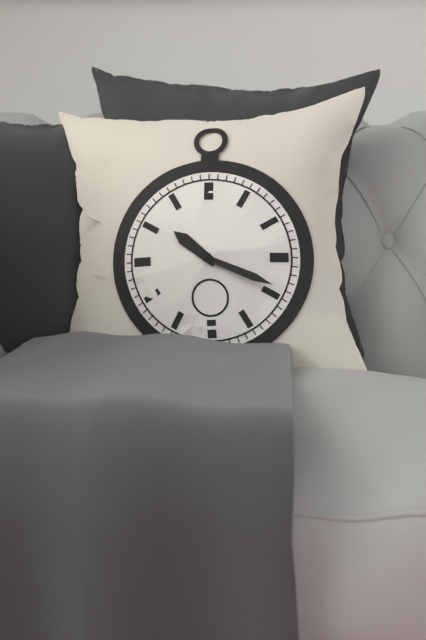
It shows 10h19
